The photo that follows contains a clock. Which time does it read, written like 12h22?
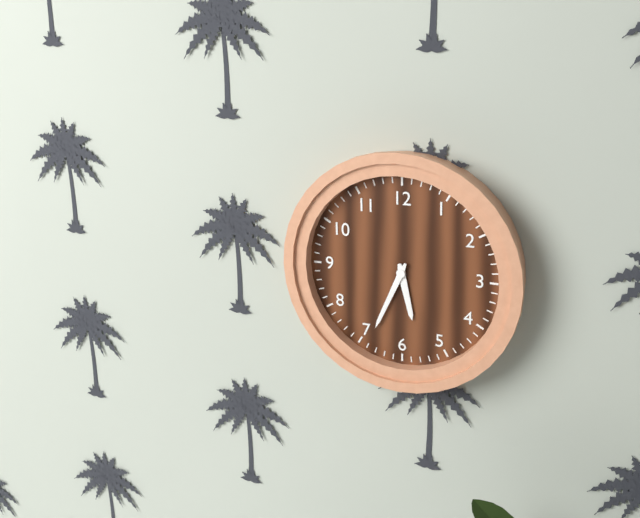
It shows 5h34
